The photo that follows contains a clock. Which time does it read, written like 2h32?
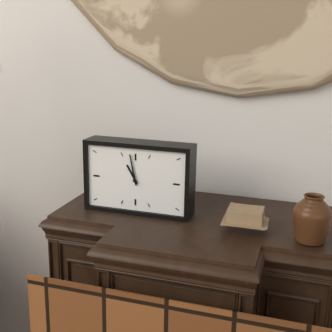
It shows 10h58
